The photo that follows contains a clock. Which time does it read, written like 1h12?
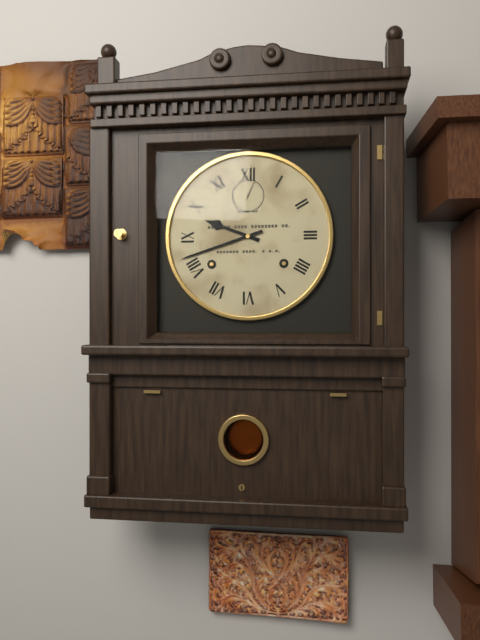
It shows 9h42
